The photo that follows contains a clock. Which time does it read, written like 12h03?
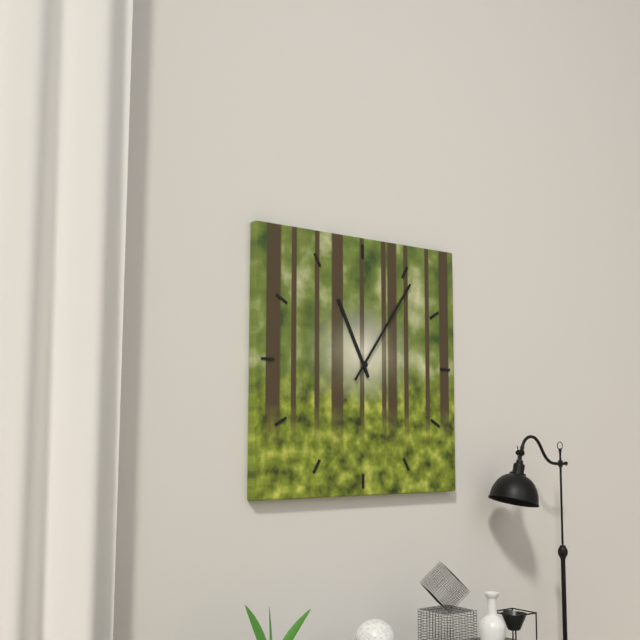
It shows 11h06
